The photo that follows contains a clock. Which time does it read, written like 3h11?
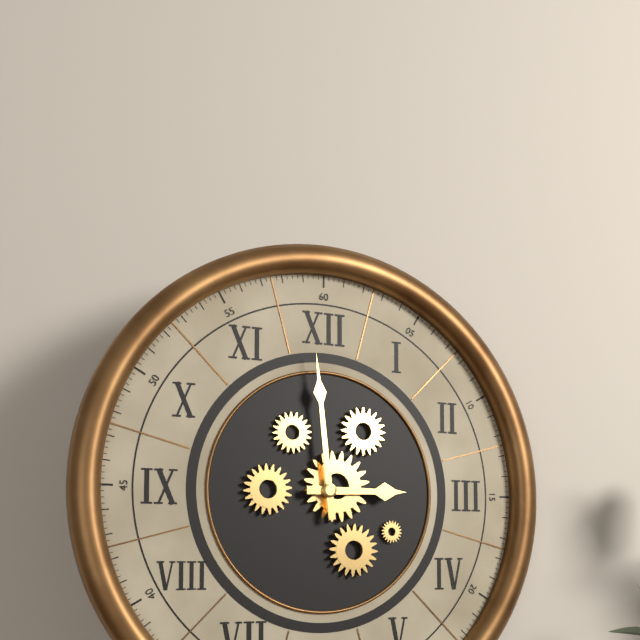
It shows 2h59
